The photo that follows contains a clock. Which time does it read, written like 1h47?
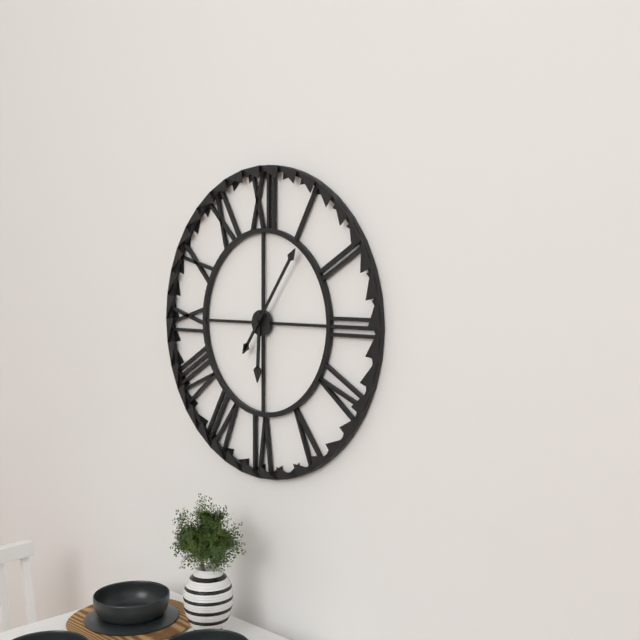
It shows 6h06
